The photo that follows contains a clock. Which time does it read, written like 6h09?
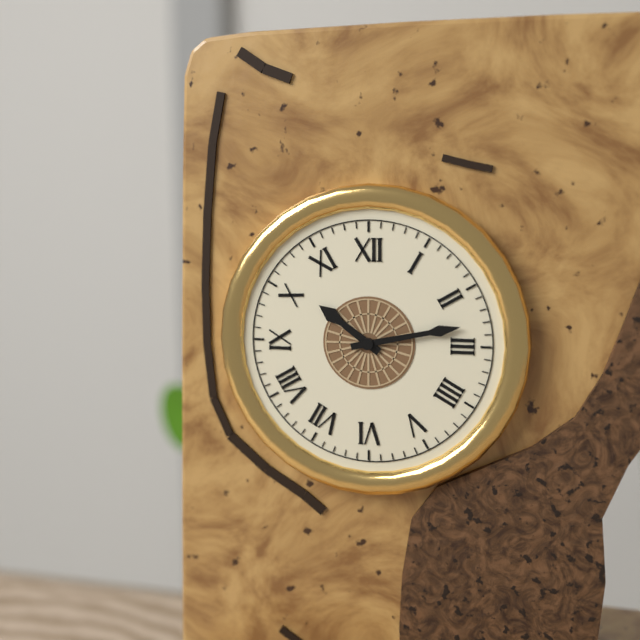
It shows 10h13
